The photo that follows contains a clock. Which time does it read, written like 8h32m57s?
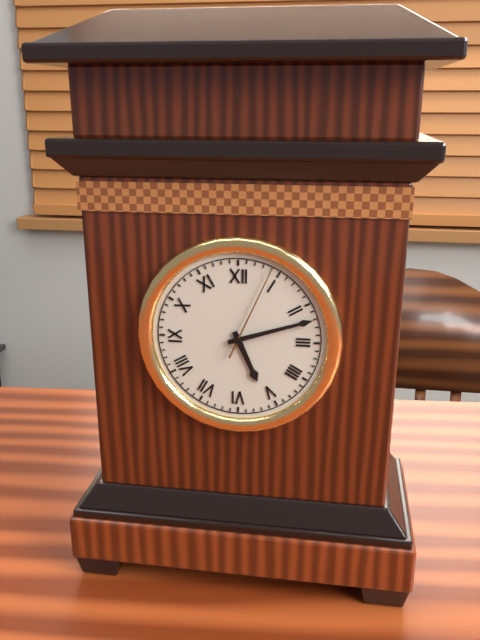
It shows 5h12m04s
